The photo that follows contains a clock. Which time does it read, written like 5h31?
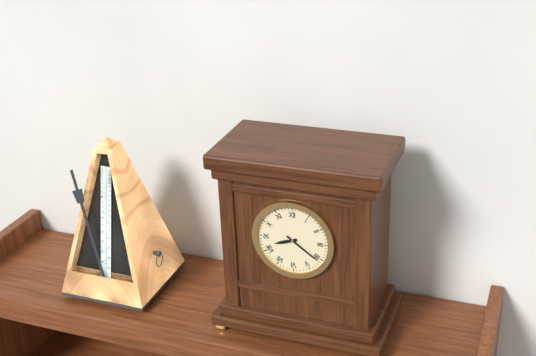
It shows 8h21
